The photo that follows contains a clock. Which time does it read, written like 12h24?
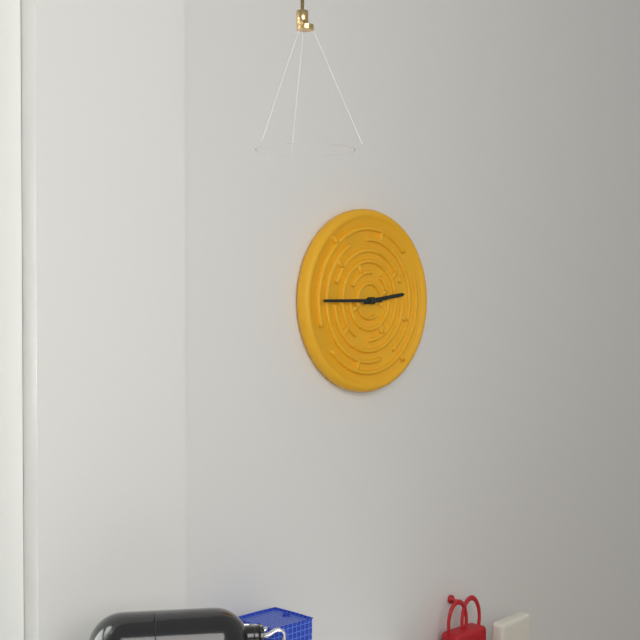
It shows 2h45
